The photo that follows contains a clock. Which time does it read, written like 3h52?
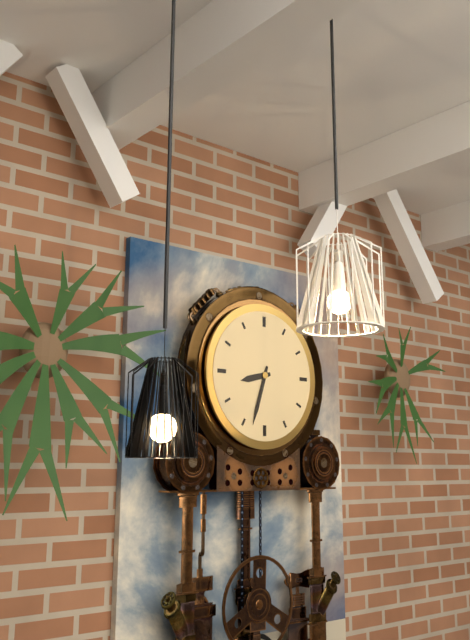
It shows 8h33
